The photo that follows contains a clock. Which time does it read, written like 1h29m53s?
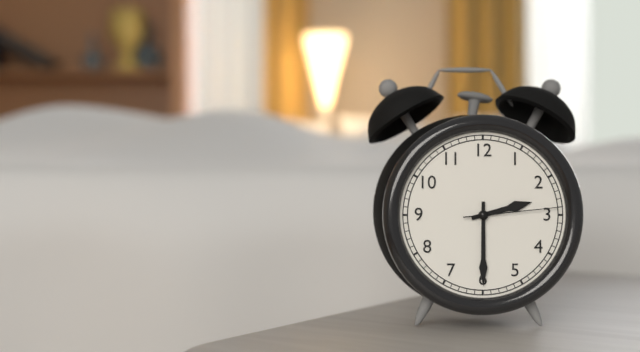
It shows 2h30m14s
